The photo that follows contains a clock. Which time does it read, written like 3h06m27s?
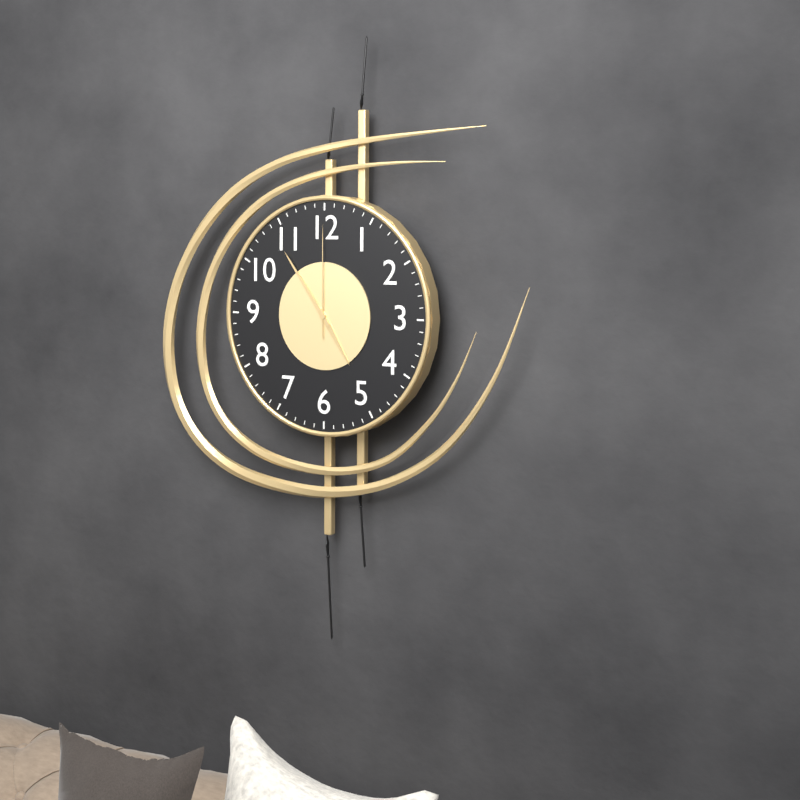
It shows 4h54m00s
